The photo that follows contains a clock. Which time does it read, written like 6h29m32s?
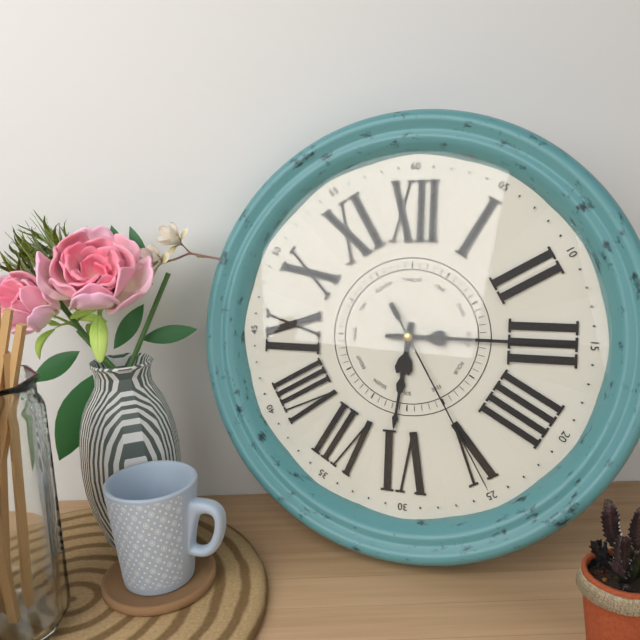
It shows 6h15m25s
